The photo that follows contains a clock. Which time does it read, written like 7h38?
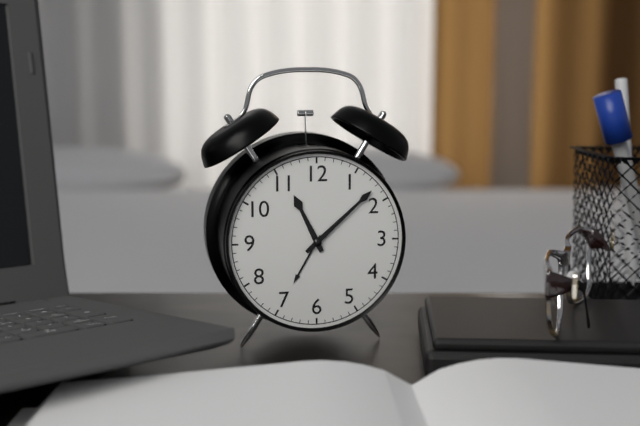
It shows 11h08
